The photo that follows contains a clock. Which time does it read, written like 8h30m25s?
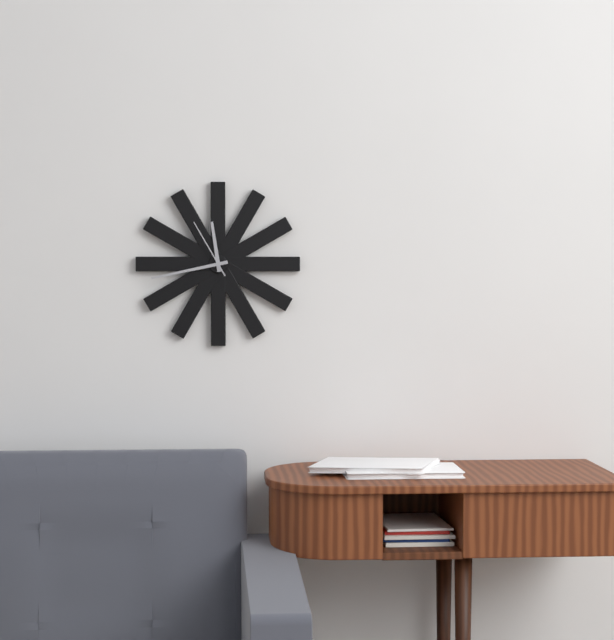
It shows 11h43m55s
